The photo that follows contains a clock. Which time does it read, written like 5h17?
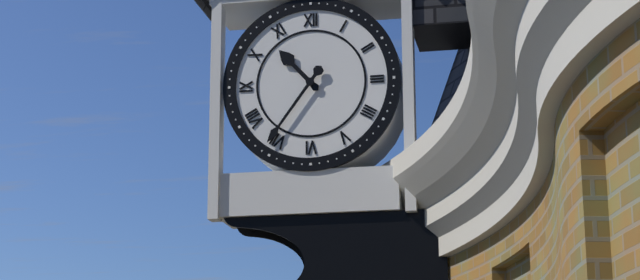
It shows 10h36
